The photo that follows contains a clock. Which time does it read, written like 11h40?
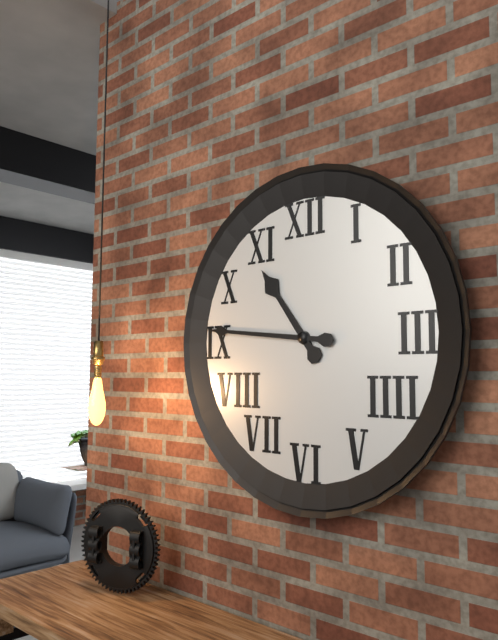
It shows 10h46
